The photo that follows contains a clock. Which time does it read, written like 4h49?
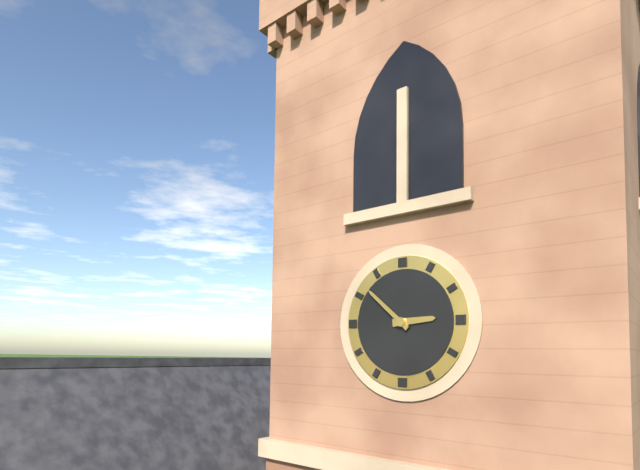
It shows 2h52
